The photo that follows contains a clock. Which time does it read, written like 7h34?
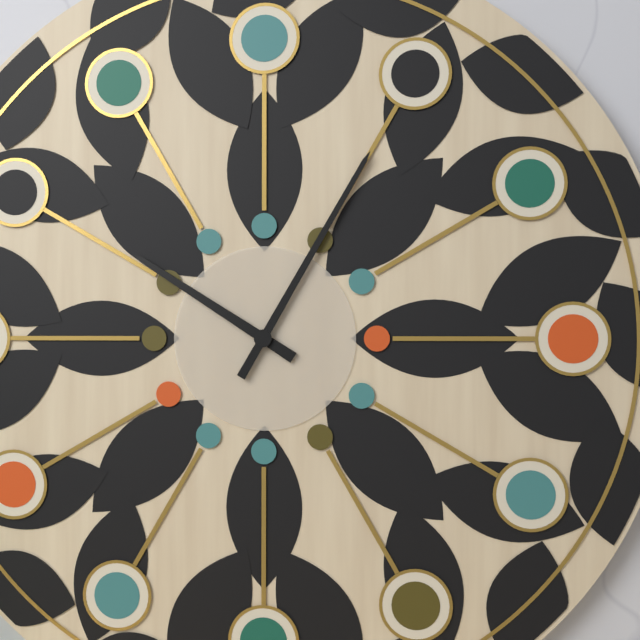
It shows 10h05
